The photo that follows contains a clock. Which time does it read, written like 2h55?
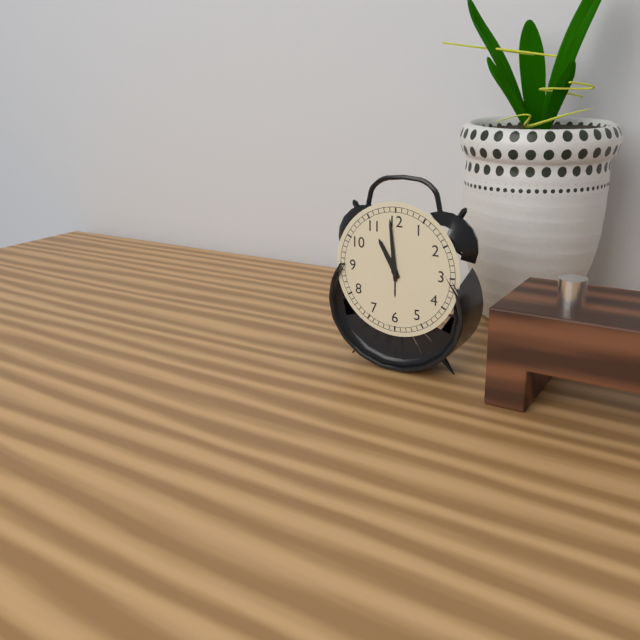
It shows 10h59
